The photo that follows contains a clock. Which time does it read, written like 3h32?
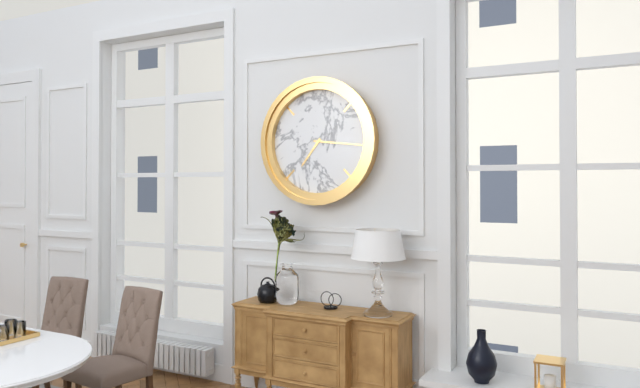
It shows 7h16
